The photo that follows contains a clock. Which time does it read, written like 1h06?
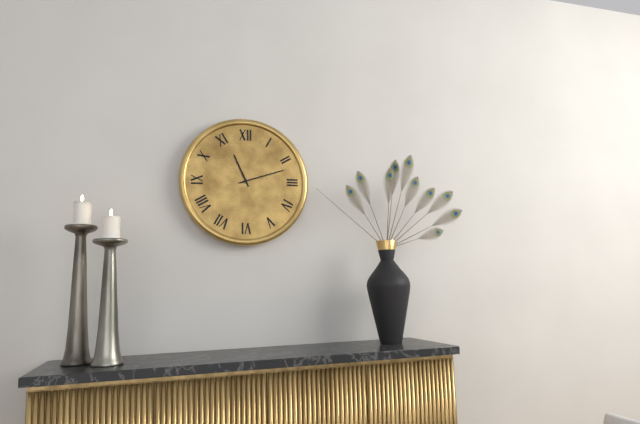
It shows 11h12
